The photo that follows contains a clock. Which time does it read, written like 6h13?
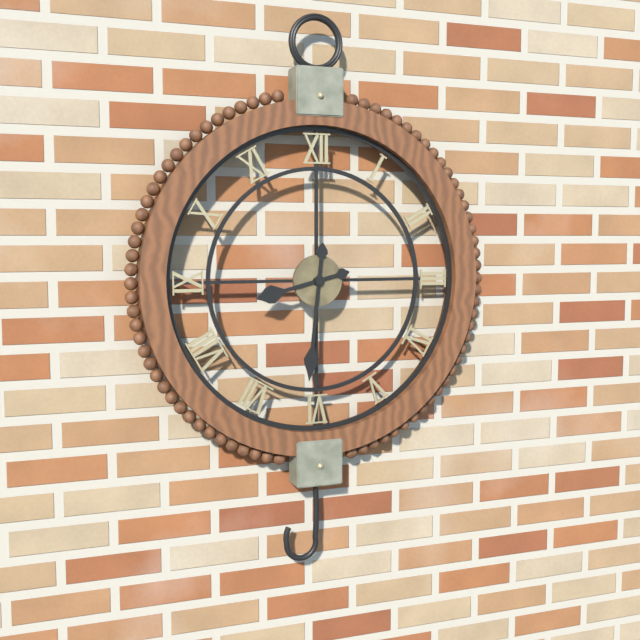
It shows 8h31
